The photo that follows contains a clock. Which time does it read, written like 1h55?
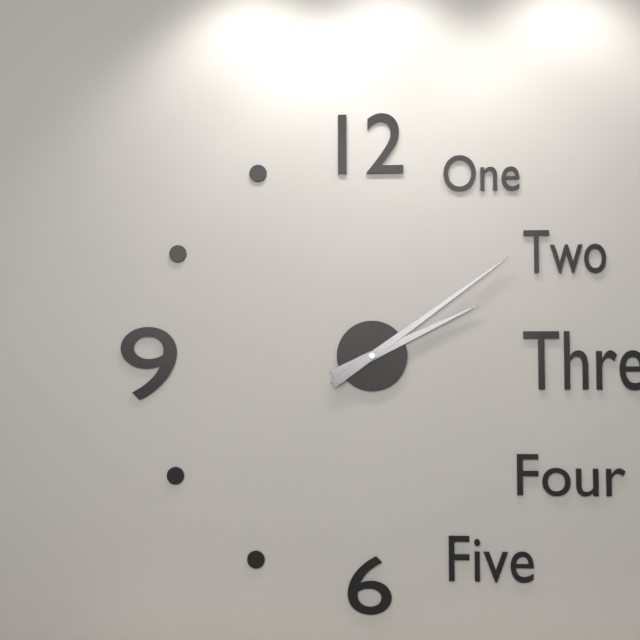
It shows 2h09
